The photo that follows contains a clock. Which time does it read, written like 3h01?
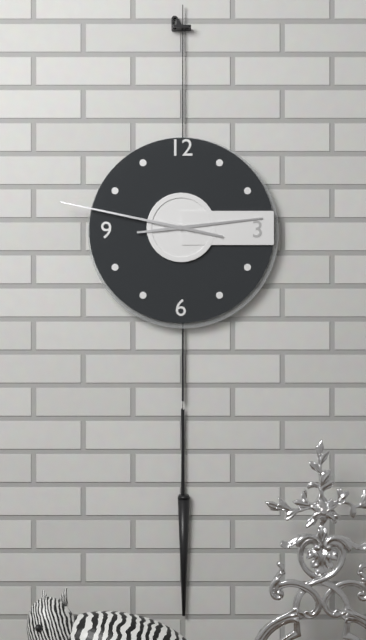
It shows 2h47
